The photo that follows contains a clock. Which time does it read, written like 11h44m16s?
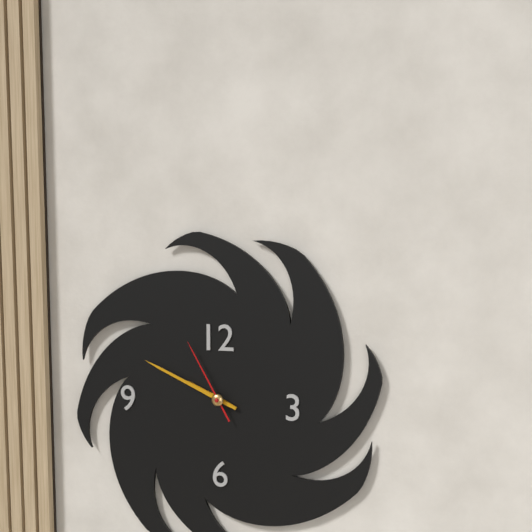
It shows 9h49m55s
